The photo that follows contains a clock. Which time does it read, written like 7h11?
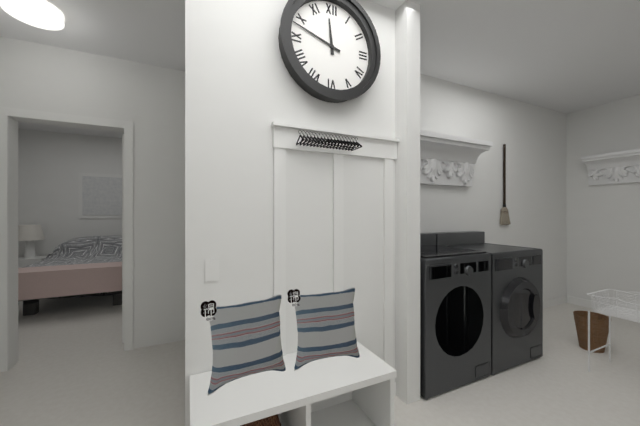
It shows 11h48
